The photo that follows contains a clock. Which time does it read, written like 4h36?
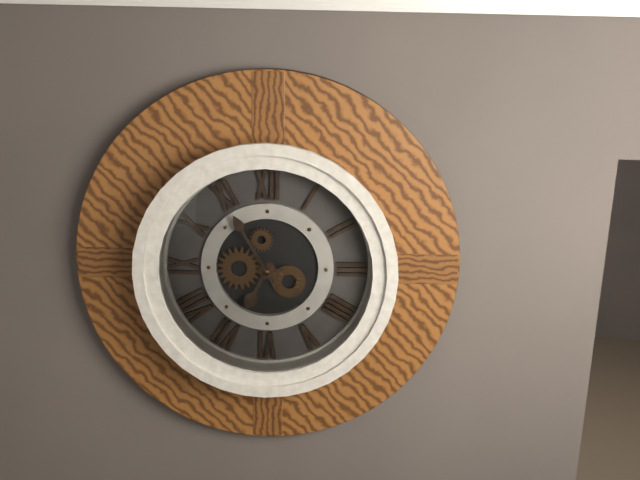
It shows 6h55
